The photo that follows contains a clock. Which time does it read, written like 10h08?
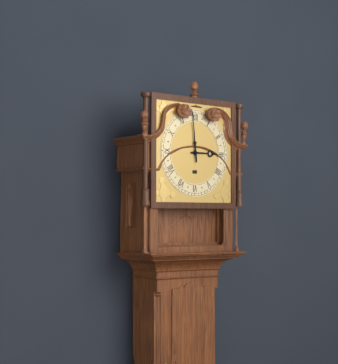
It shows 2h59
